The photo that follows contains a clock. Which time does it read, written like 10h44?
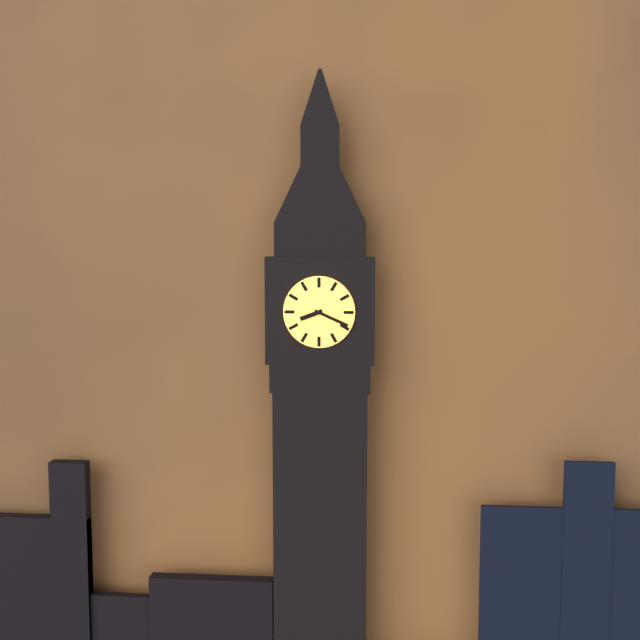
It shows 8h19
